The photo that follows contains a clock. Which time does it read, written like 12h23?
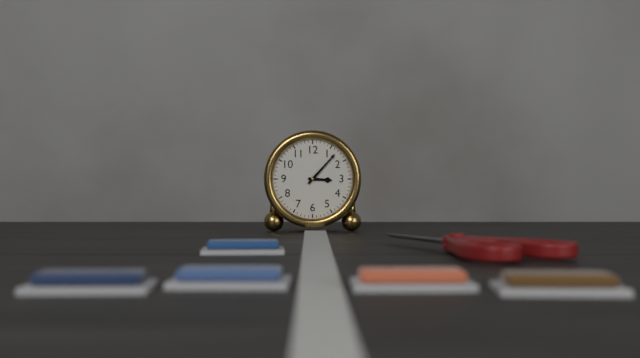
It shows 3h07
